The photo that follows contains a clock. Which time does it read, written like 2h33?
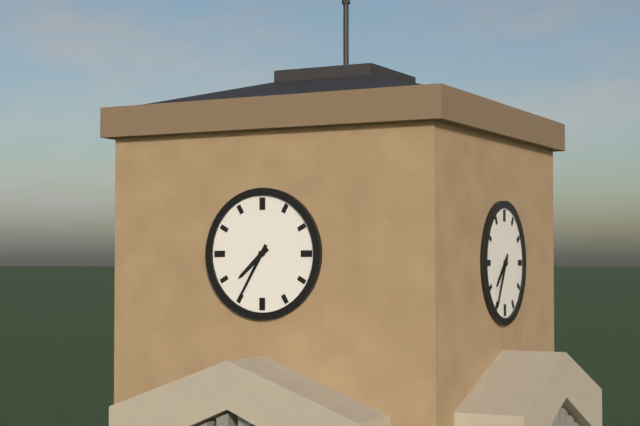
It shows 7h35
